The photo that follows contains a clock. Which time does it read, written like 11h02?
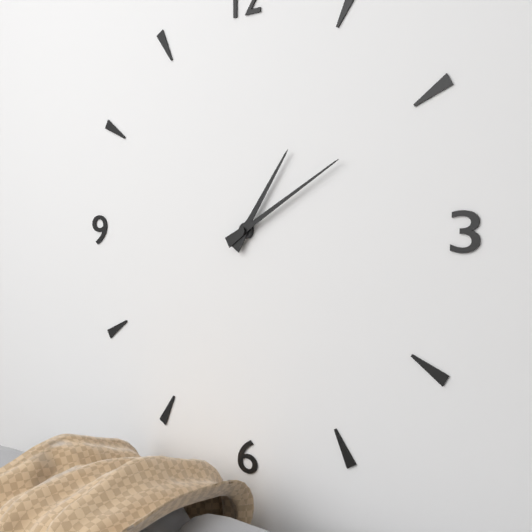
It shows 1h10
